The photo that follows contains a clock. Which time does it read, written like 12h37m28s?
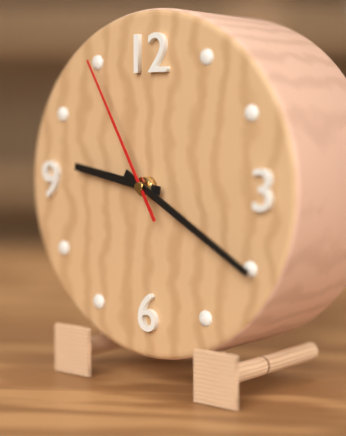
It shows 9h20m55s
